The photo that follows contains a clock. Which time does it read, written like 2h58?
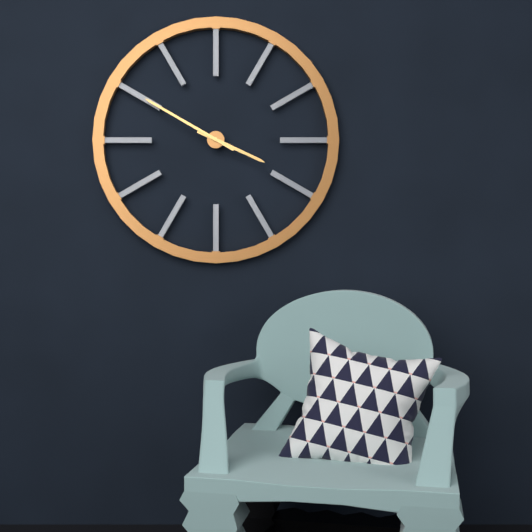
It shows 3h50
